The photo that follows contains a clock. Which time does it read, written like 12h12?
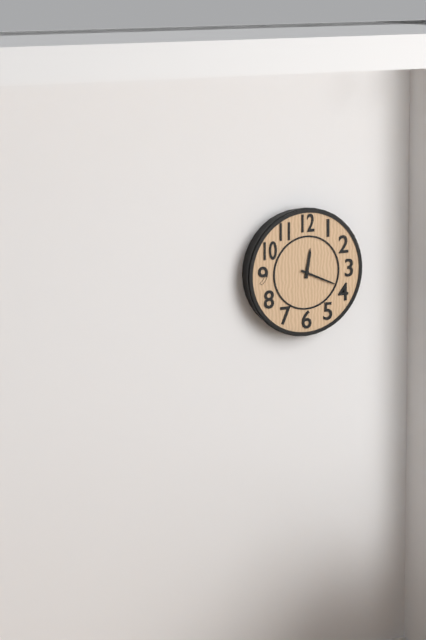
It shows 12h19
